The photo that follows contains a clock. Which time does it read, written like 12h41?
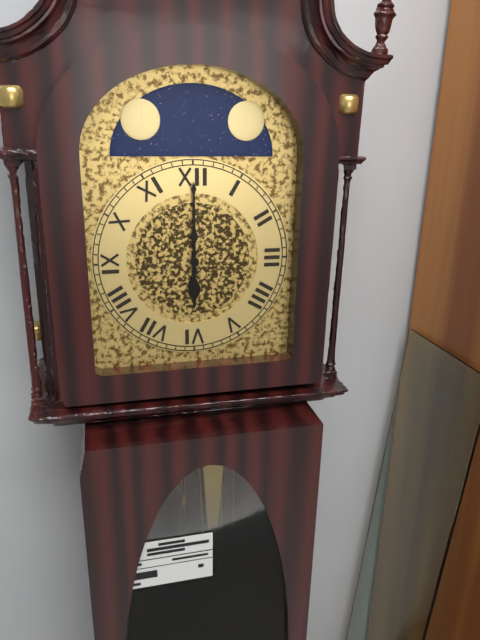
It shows 6h00
